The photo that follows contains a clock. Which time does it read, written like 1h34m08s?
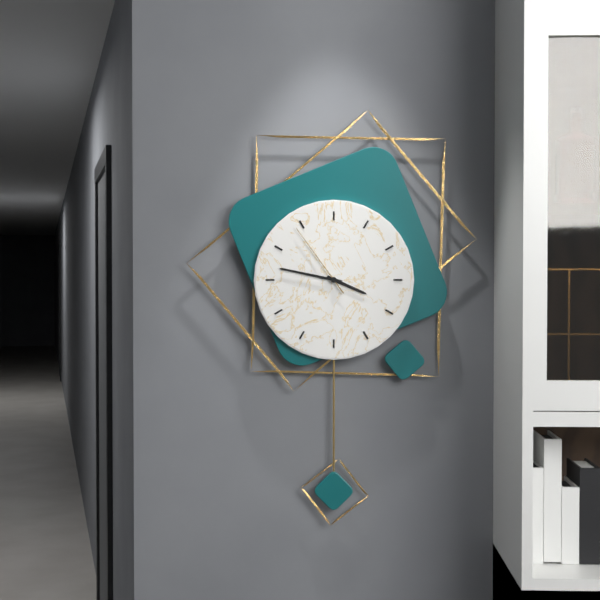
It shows 3h47m54s
